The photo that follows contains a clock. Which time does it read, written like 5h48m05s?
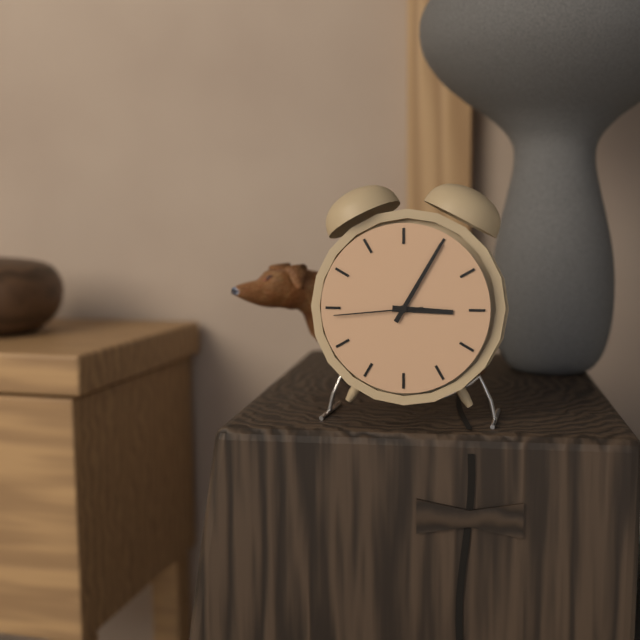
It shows 3h05m44s
